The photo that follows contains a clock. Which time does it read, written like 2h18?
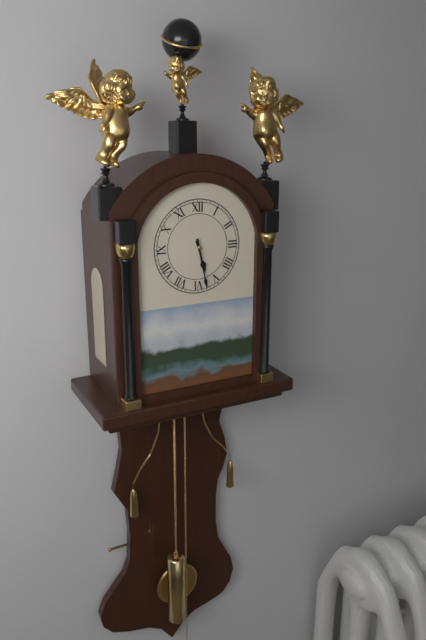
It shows 5h28
